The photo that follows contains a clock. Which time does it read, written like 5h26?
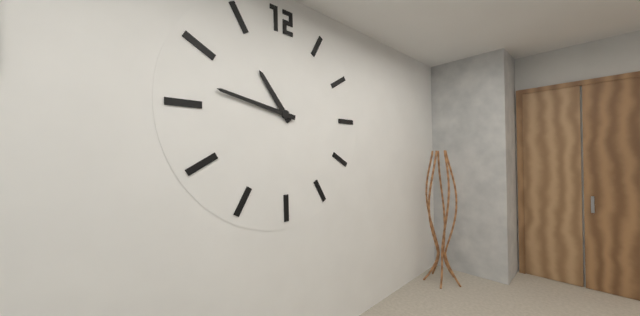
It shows 10h47
